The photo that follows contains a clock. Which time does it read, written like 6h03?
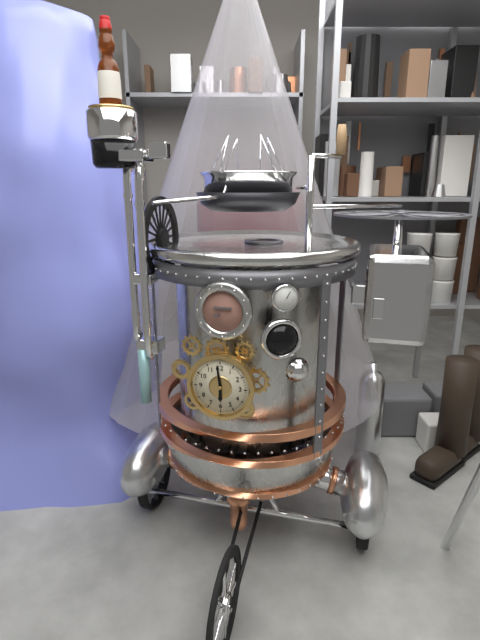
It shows 5h59
